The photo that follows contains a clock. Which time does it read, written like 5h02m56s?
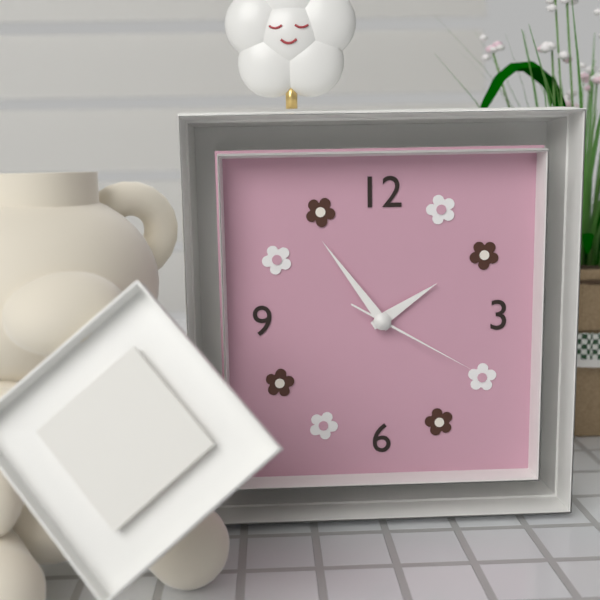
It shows 1h54m20s
